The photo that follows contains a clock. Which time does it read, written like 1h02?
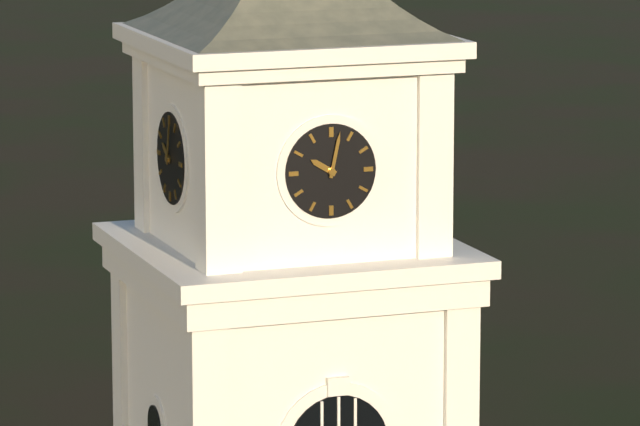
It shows 10h02
